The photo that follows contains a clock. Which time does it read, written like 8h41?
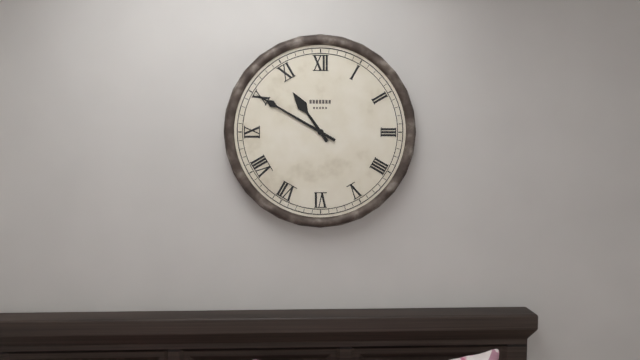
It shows 10h50
